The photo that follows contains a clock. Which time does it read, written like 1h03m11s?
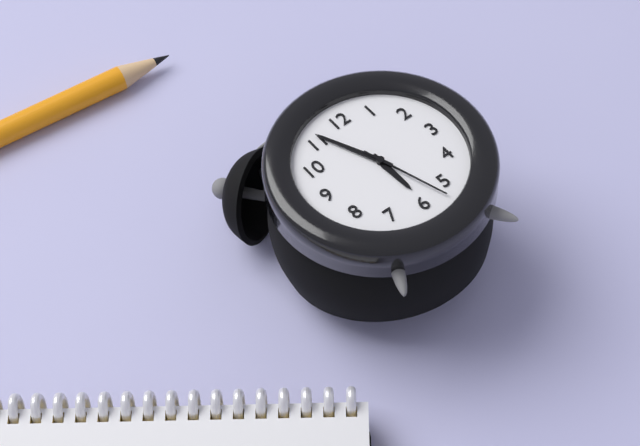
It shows 5h56m27s
